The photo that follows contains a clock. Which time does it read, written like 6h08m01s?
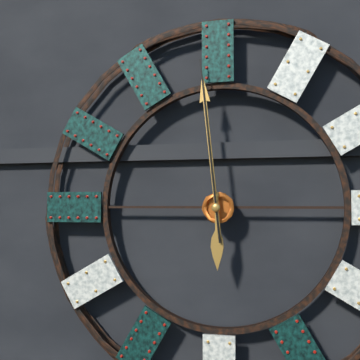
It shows 5h59m59s
